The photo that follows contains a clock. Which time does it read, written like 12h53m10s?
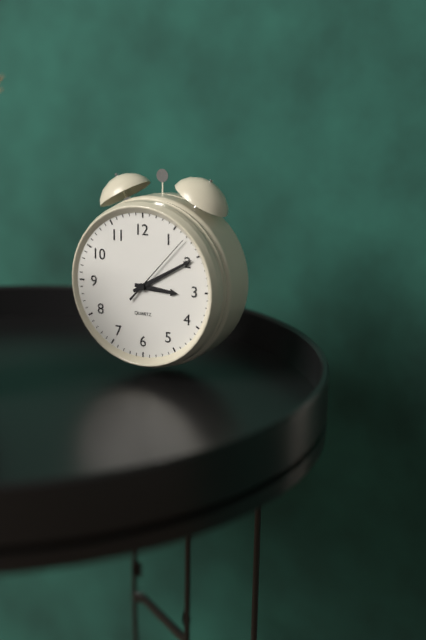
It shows 3h10m07s
